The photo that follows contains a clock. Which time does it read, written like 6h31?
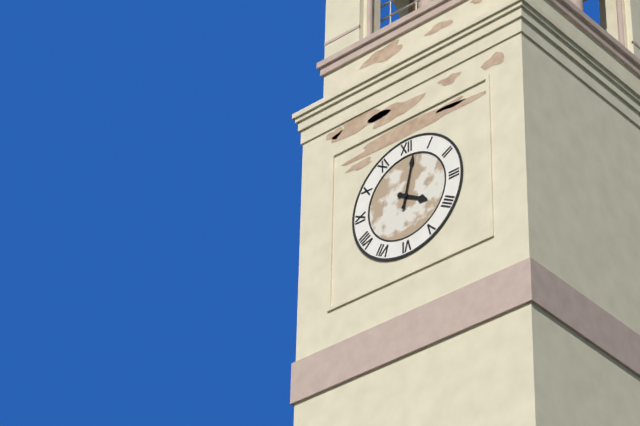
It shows 4h02
